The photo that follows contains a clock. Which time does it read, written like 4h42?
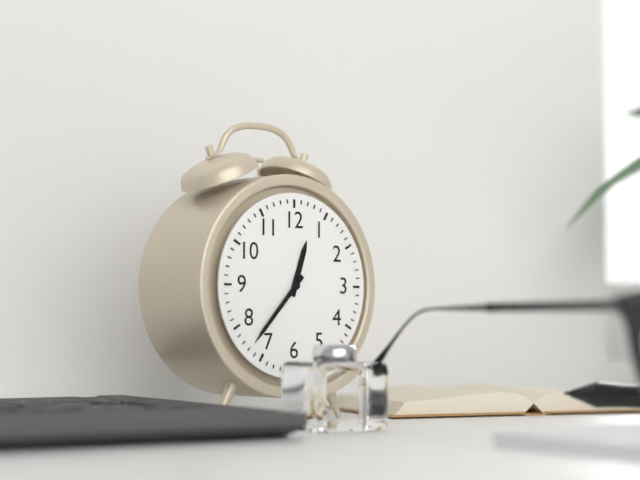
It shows 12h37
